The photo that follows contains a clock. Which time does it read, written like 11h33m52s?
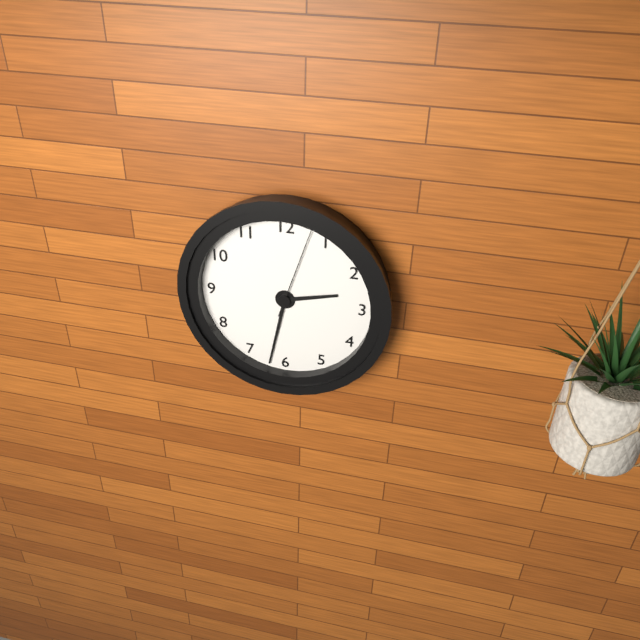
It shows 2h32m03s
